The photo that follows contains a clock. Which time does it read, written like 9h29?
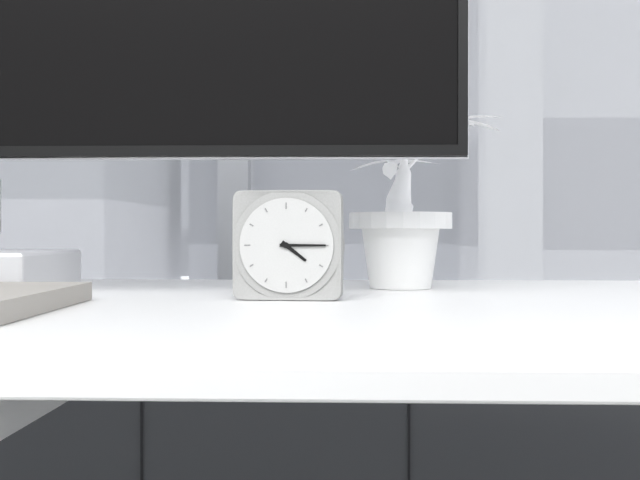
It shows 4h15
